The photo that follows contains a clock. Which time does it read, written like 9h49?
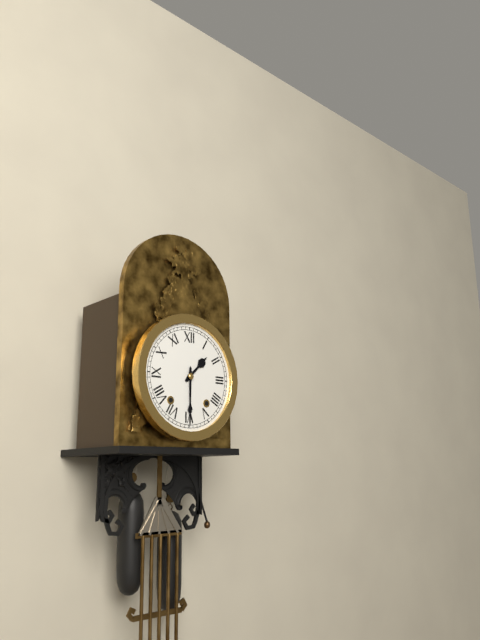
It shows 1h30
